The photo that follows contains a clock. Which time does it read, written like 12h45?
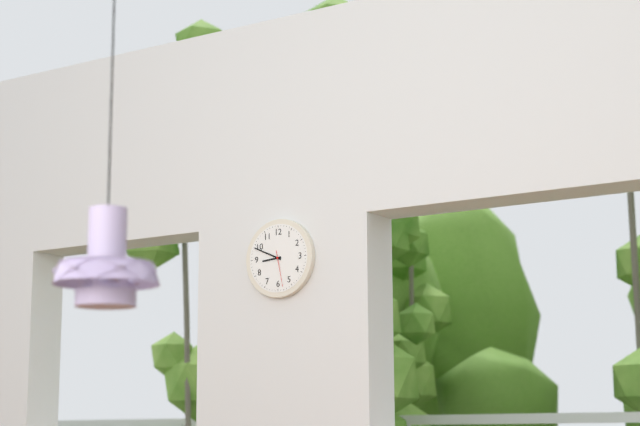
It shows 8h49
